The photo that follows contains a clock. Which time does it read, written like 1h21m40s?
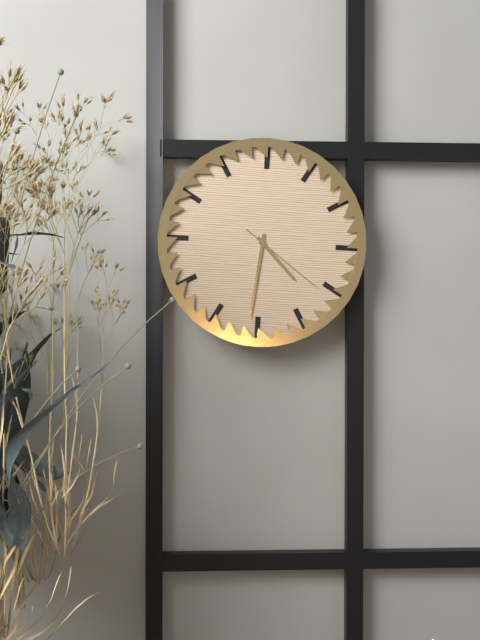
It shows 4h31m21s
